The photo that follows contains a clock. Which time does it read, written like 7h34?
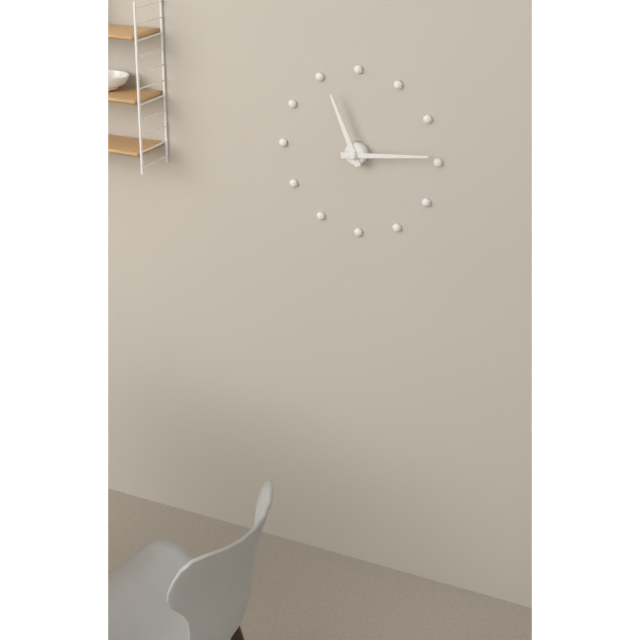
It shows 11h14
